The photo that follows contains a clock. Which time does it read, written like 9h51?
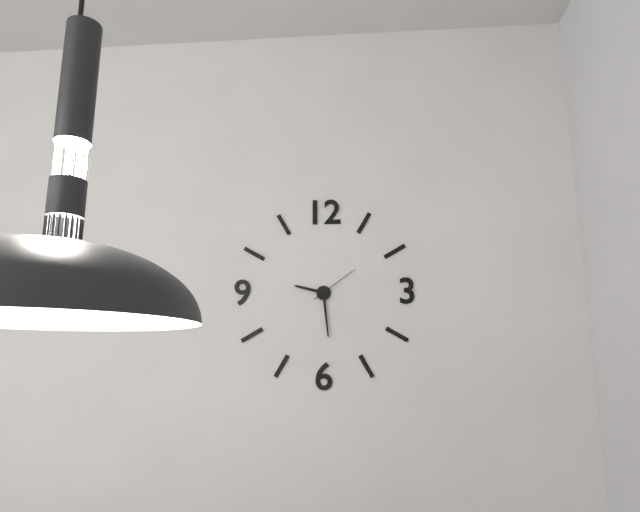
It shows 9h29
